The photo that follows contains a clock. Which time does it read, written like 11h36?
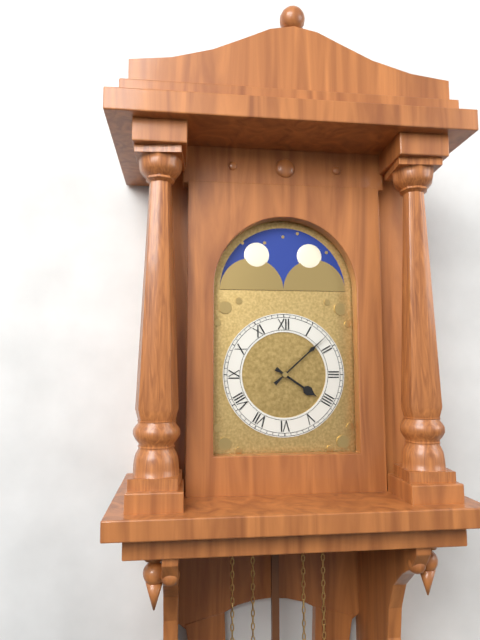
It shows 4h08
